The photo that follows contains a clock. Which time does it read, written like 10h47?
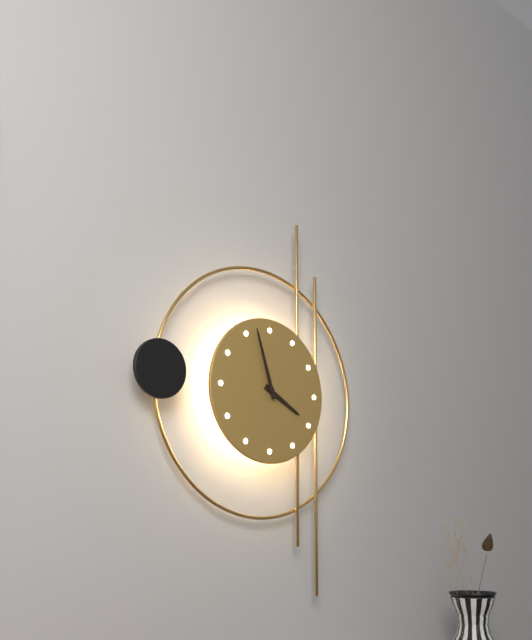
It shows 3h57
